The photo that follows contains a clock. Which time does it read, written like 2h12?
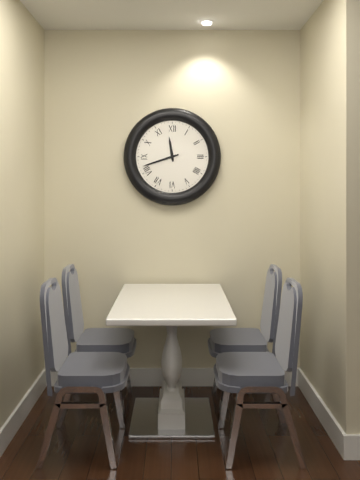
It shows 11h42
